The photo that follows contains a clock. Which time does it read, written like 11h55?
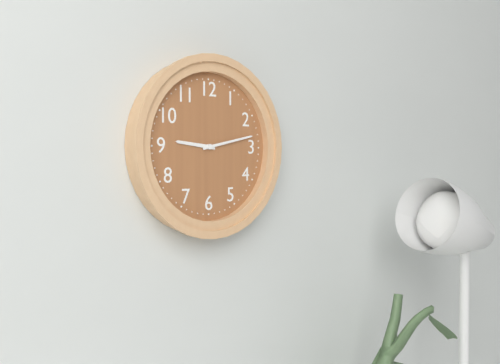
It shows 9h13
